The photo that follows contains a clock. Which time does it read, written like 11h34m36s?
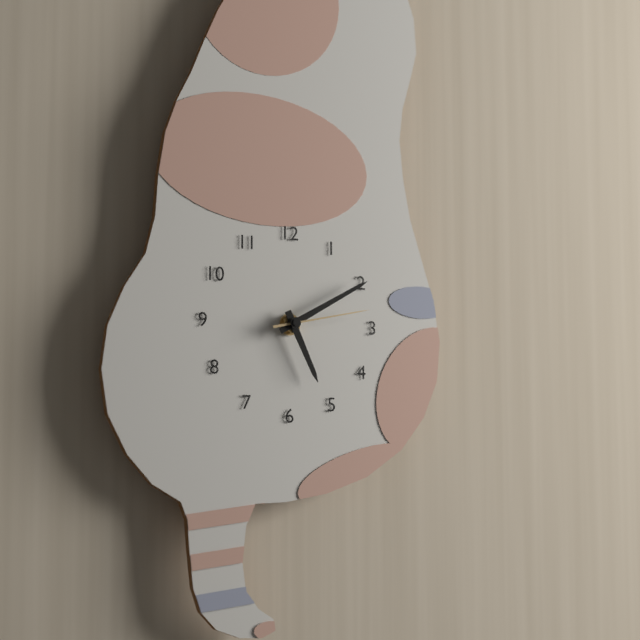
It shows 5h10m13s
